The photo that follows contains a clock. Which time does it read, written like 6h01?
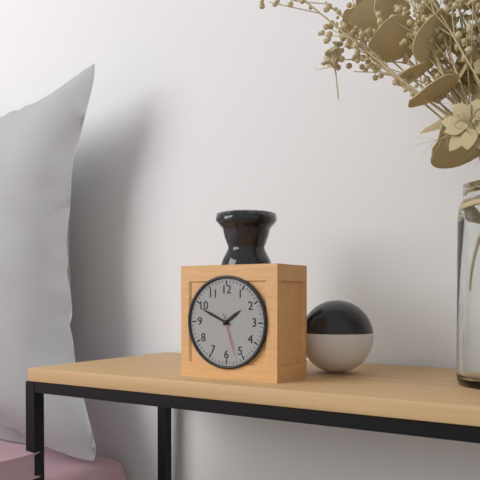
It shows 1h49
